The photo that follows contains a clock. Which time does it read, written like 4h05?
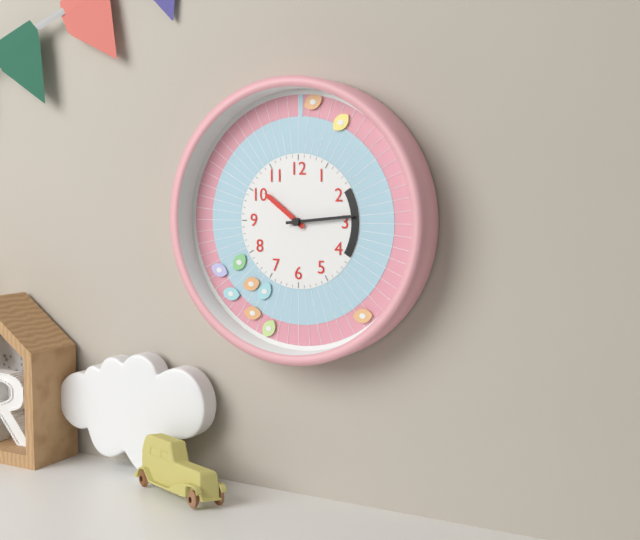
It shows 10h14
